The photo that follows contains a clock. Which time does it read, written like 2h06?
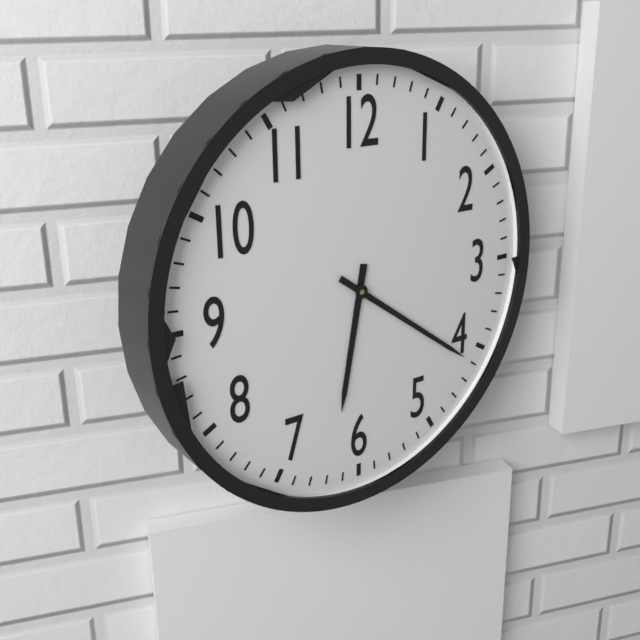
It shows 6h21
